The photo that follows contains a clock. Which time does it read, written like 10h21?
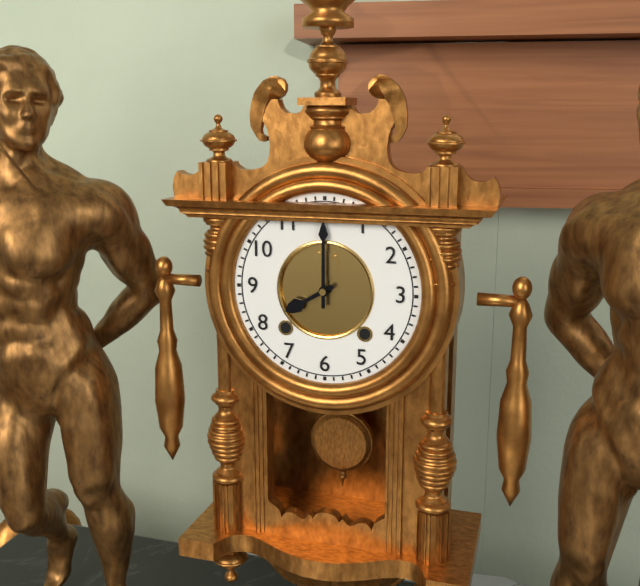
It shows 8h00
